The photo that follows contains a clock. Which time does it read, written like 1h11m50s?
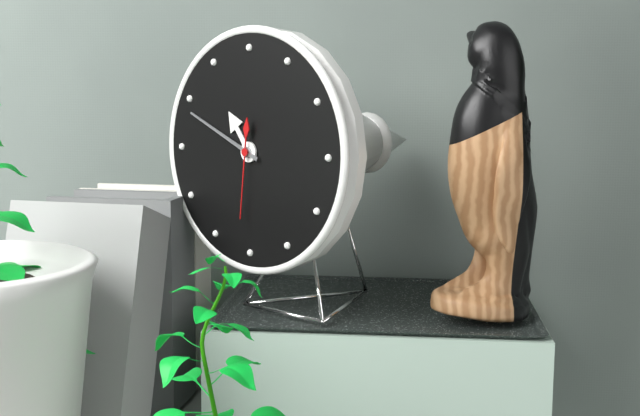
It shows 10h49m31s
